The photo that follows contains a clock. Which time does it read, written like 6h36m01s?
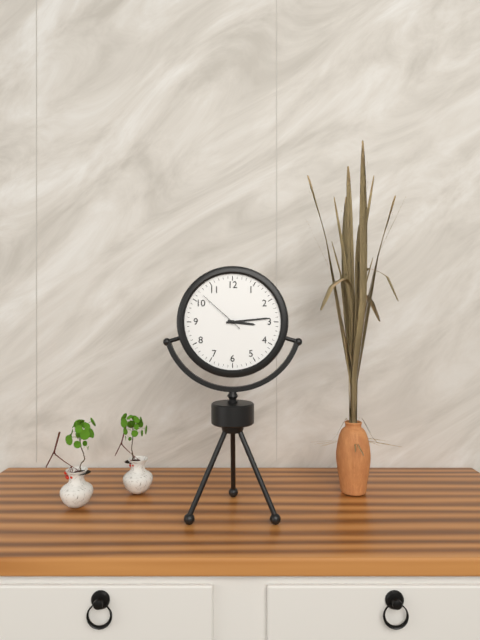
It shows 3h14m52s
